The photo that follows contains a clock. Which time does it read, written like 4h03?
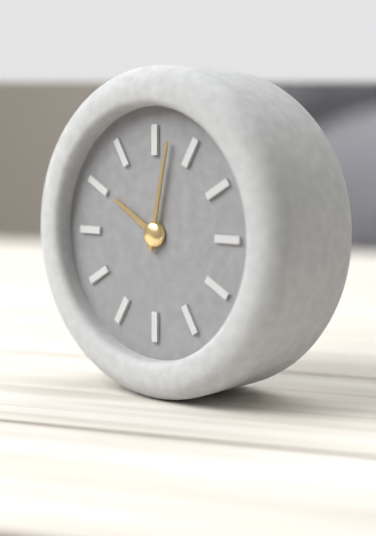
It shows 10h02
